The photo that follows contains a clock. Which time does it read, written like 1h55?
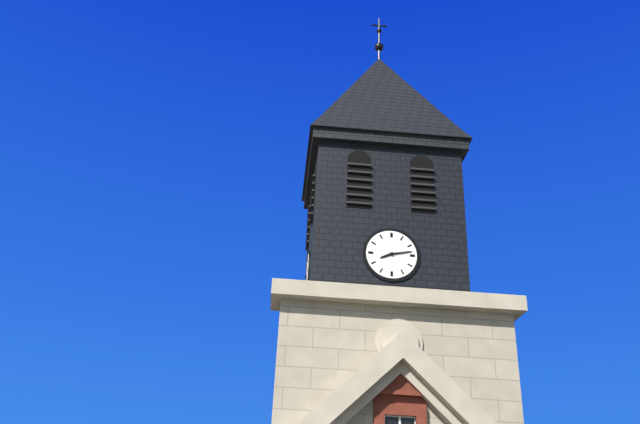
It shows 8h13
